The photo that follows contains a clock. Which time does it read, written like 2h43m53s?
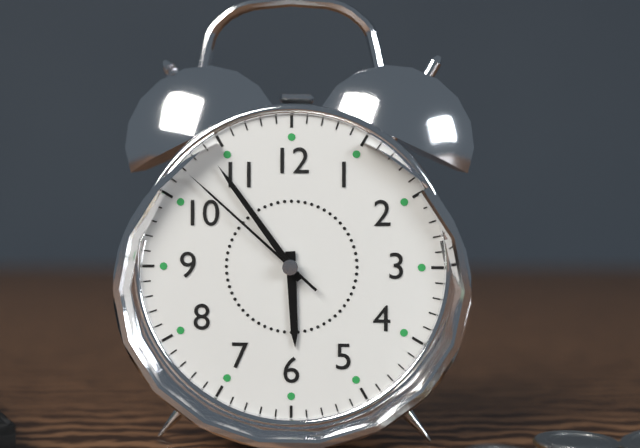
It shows 5h54m52s
